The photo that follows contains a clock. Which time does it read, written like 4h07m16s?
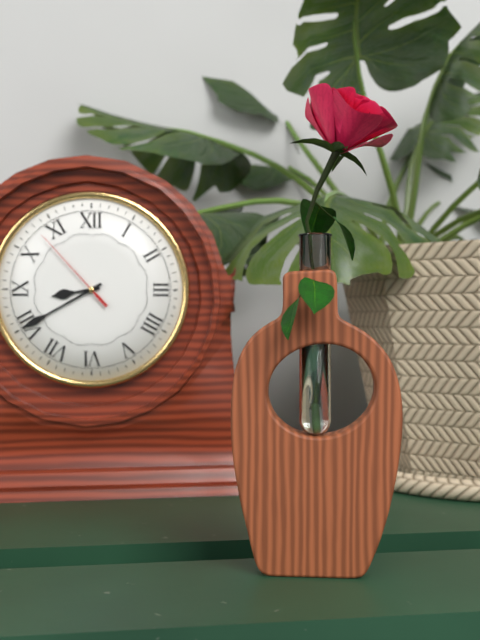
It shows 8h40m53s
